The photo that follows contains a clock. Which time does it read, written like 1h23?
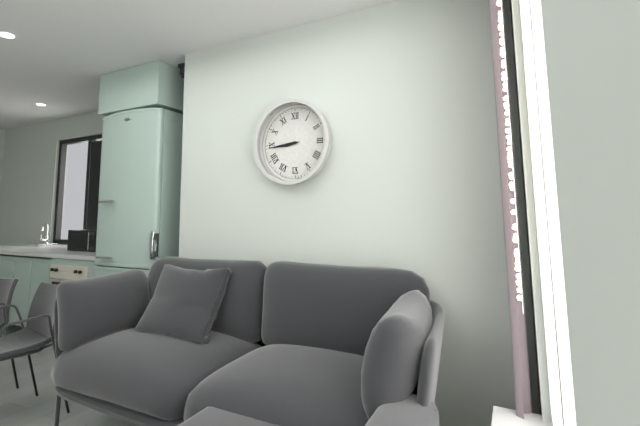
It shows 8h44
